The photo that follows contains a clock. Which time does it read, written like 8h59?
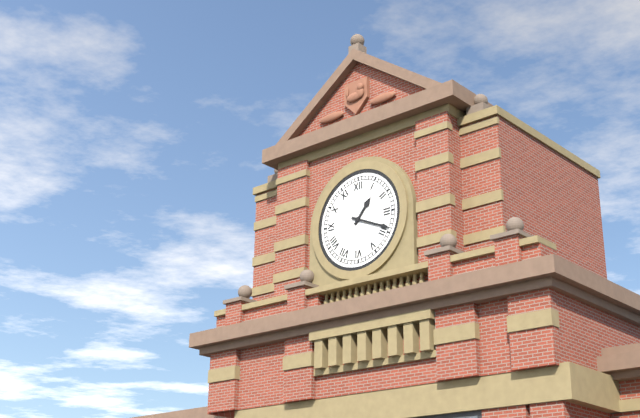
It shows 1h19
